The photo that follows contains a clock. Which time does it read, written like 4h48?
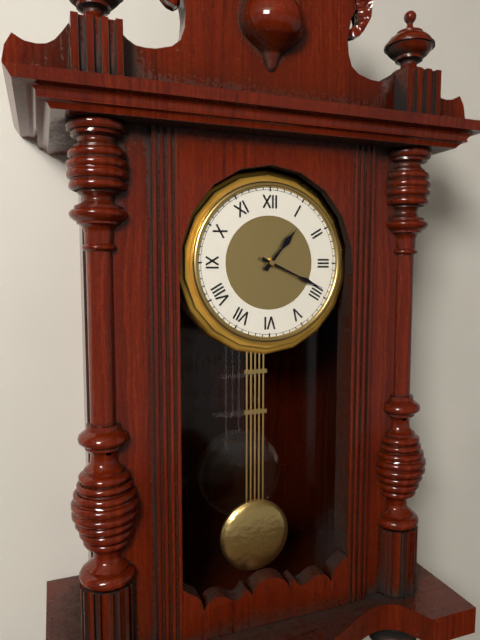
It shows 1h19
